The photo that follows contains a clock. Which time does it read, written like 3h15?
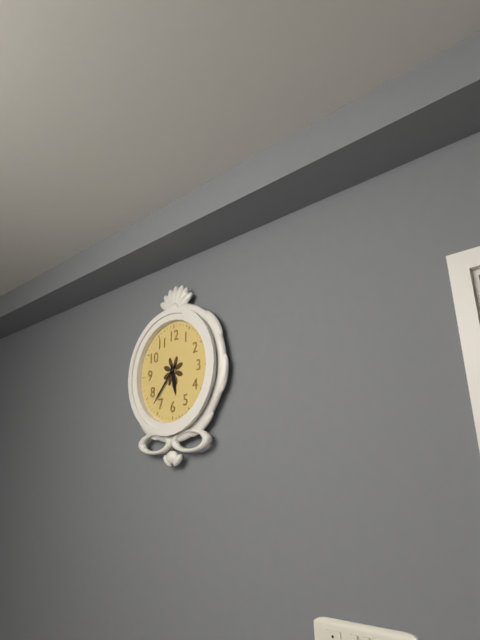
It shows 5h37
